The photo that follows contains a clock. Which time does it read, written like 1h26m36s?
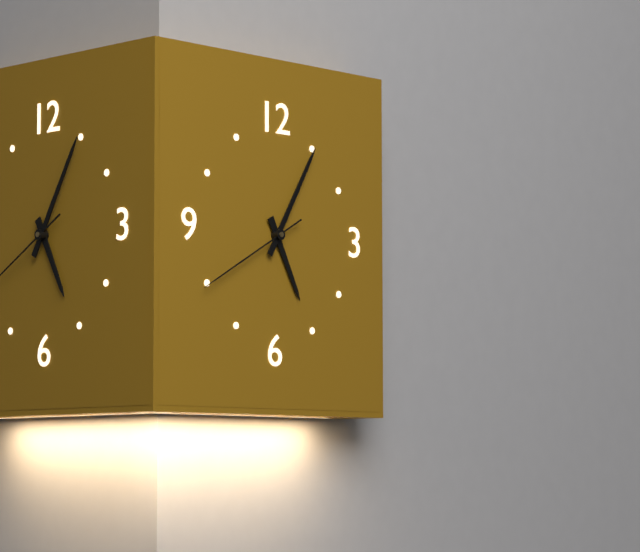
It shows 5h05m40s
